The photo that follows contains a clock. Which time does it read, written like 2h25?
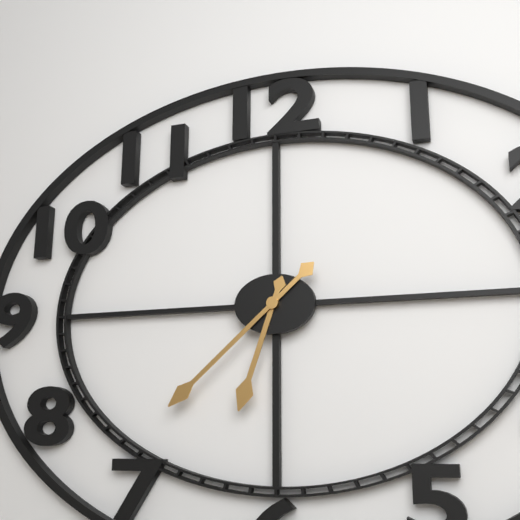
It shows 6h38
